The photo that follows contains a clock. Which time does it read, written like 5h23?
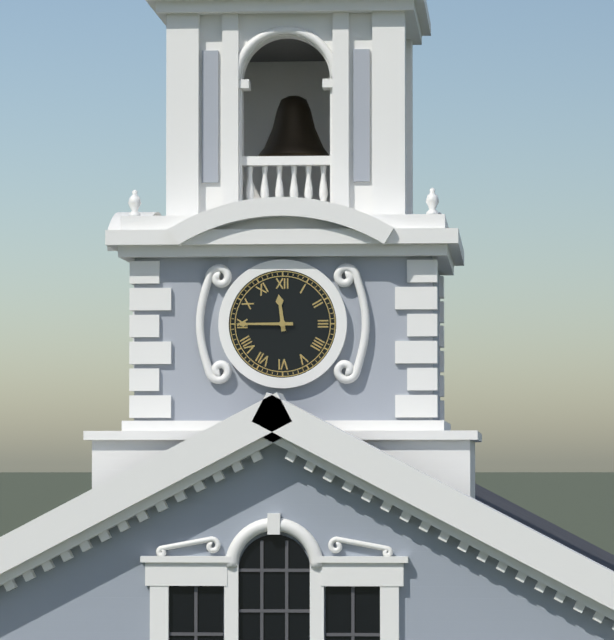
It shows 11h45
